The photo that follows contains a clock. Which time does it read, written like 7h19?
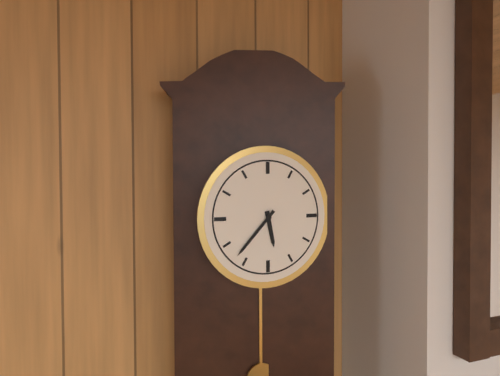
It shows 5h37
